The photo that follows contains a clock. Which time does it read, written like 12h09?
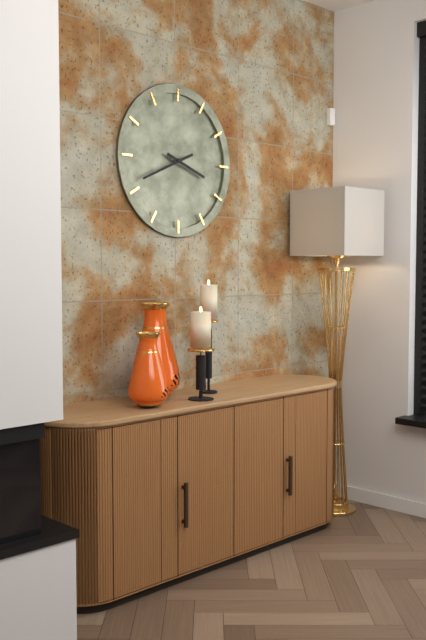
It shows 3h41
